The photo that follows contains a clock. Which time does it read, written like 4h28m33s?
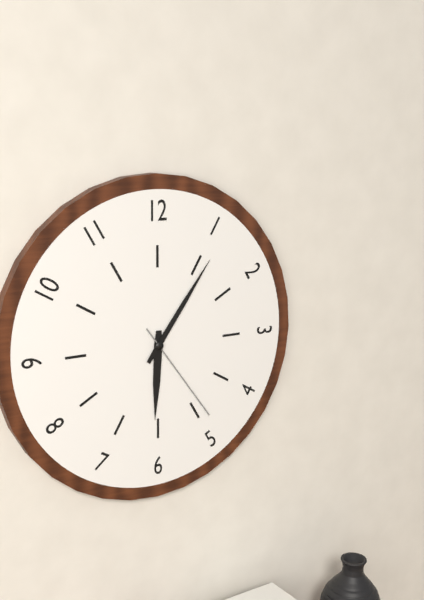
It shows 6h06m24s
